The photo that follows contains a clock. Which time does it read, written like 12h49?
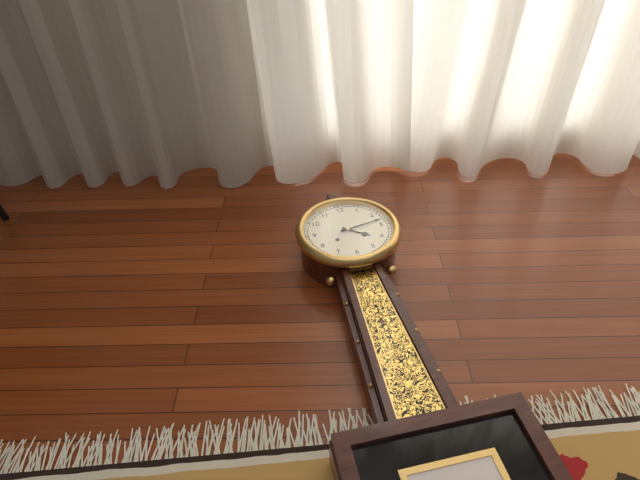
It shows 4h13
